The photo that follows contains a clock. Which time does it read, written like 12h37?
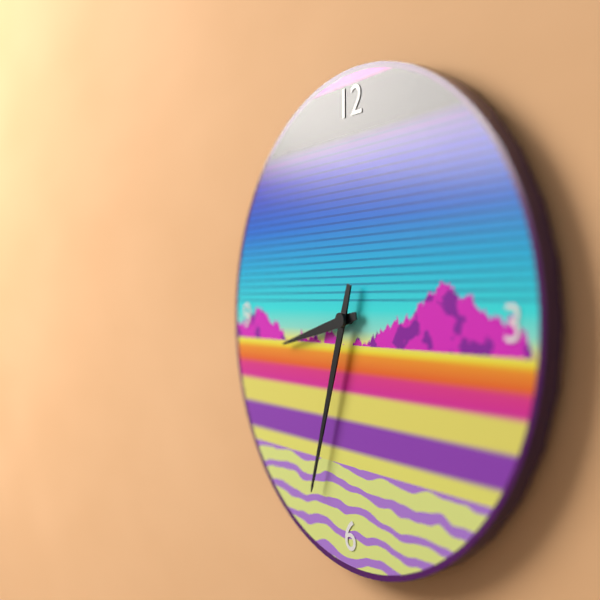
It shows 8h33
